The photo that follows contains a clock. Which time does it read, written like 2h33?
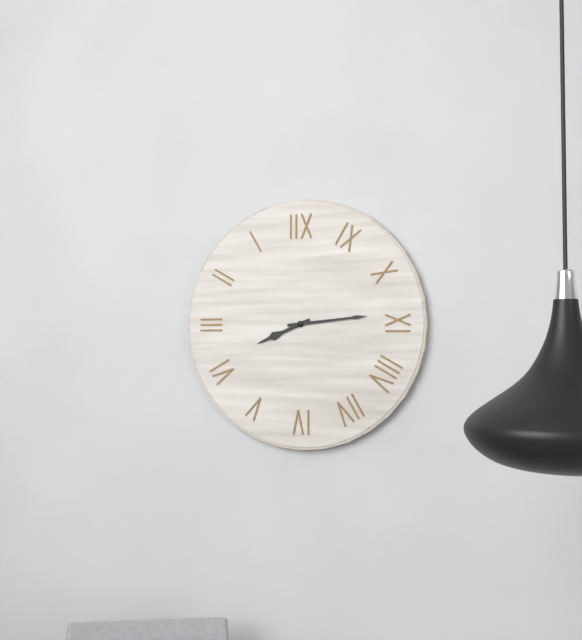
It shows 8h14
